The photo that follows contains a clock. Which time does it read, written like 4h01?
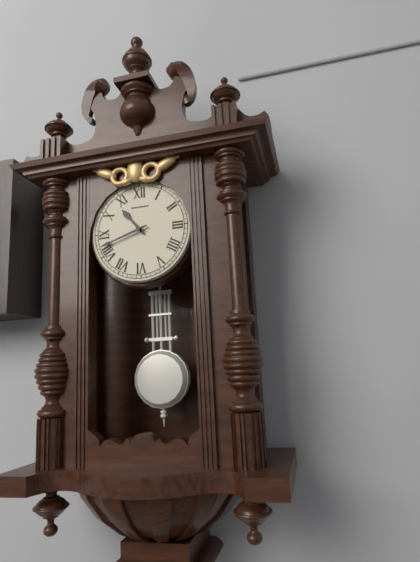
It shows 10h42
